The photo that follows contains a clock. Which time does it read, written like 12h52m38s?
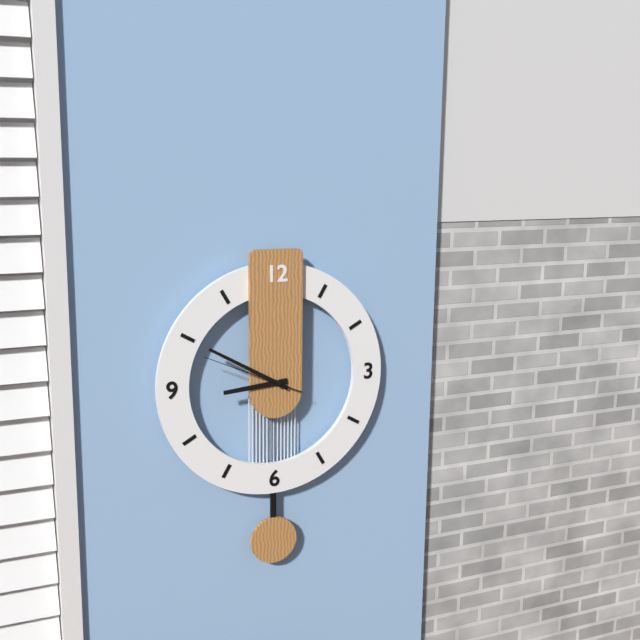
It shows 8h50m49s
